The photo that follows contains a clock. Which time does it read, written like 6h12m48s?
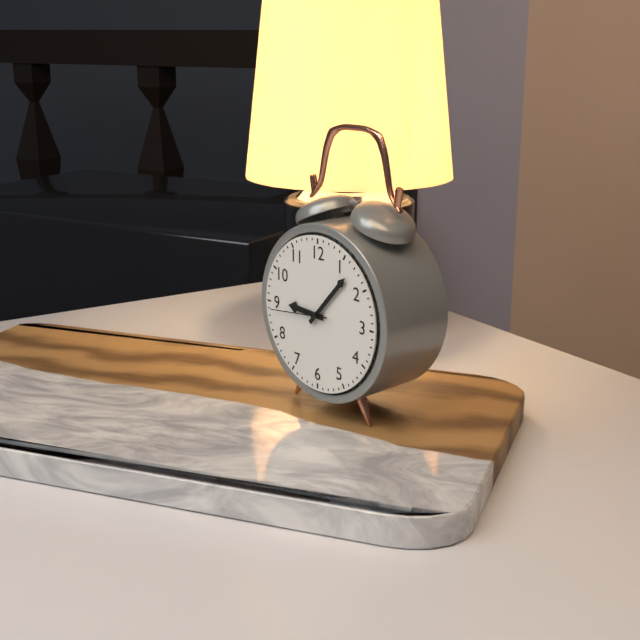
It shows 9h07m44s
